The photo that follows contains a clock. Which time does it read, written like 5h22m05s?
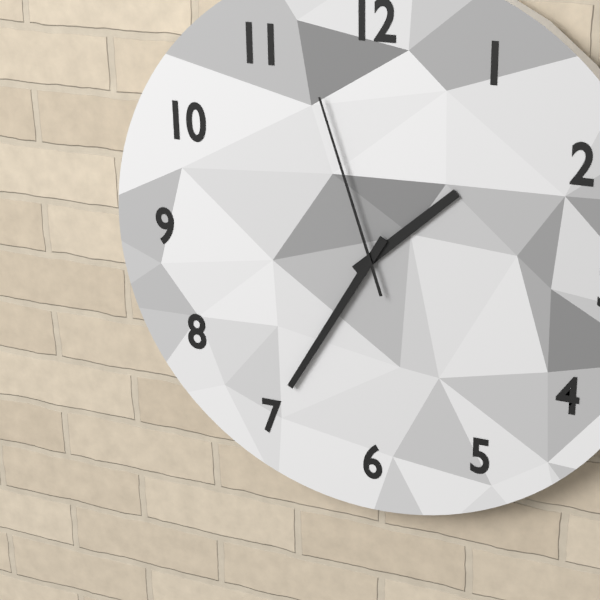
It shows 1h35m57s
